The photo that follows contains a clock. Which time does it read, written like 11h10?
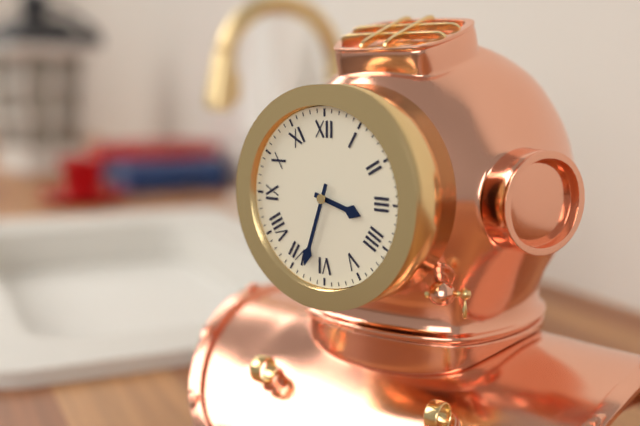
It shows 3h33
